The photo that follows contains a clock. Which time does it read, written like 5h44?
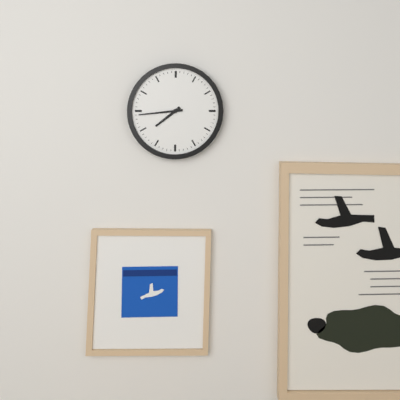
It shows 7h44
